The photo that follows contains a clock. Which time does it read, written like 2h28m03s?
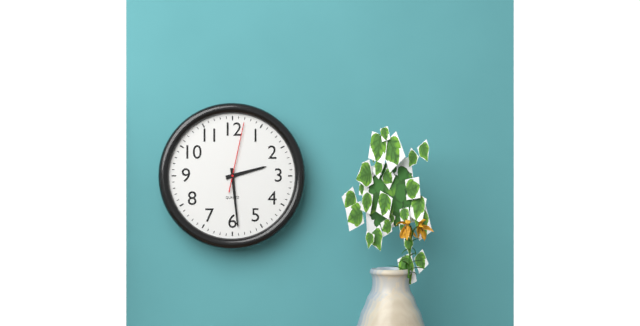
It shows 2h29m02s
